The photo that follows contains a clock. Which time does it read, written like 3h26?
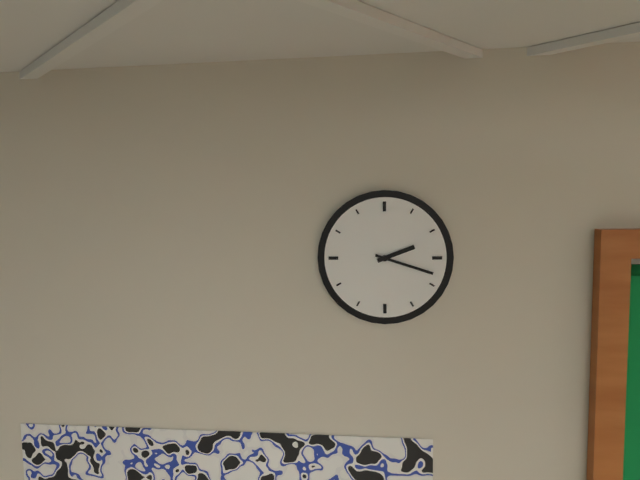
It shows 2h18
